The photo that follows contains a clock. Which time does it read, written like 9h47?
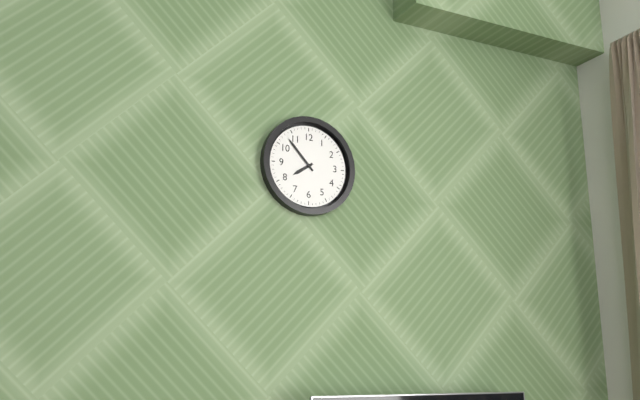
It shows 7h53
